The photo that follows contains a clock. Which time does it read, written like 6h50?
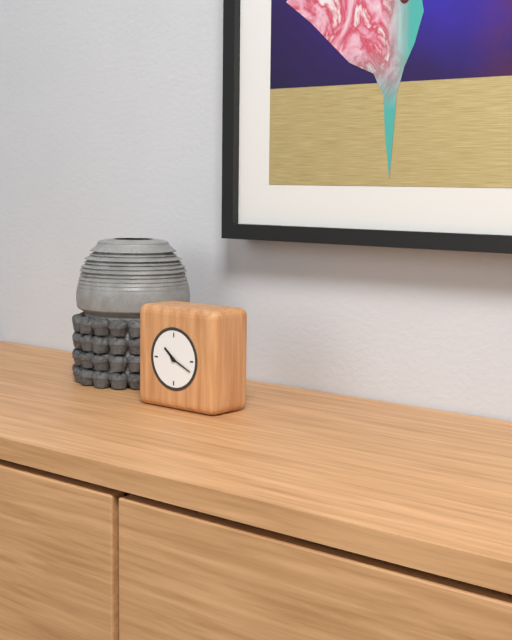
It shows 10h19
